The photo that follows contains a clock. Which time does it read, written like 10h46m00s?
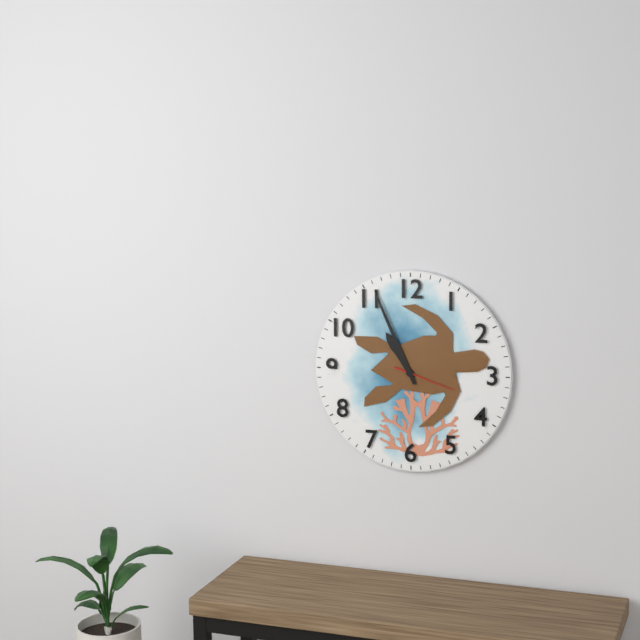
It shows 10h56m18s
